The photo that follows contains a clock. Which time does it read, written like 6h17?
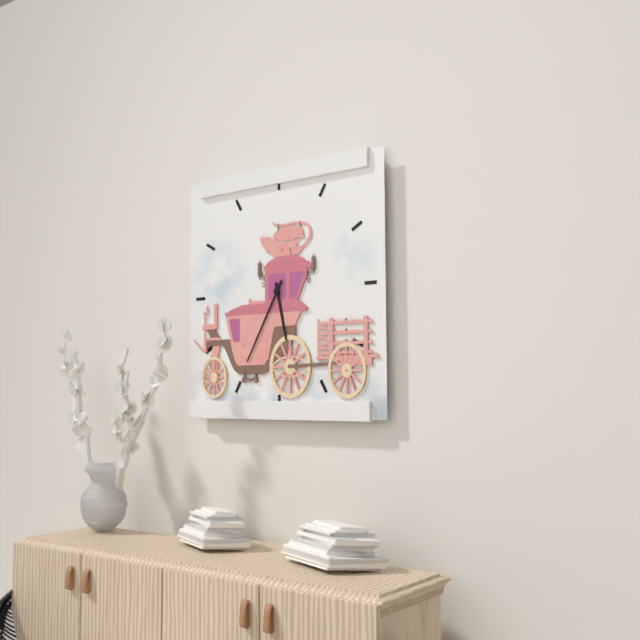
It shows 5h35
